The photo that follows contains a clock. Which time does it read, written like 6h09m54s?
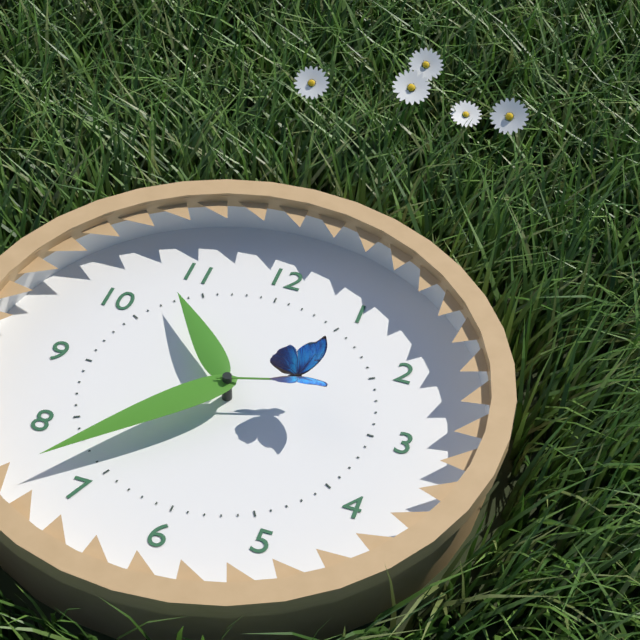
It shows 10h37m12s
